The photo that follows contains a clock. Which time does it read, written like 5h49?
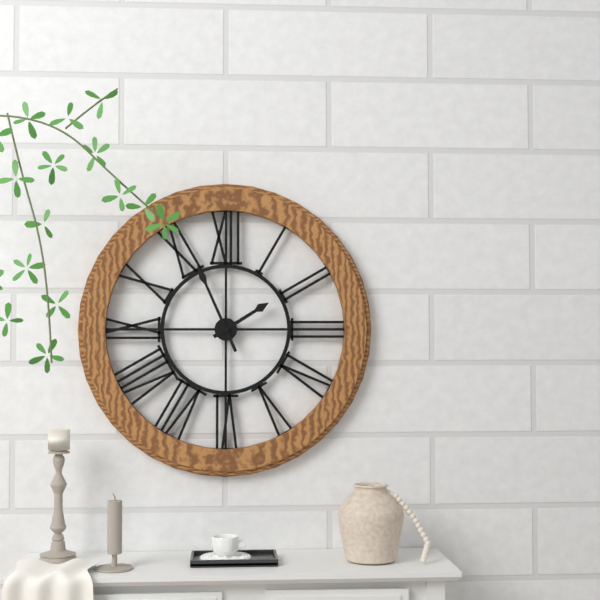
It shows 1h56
